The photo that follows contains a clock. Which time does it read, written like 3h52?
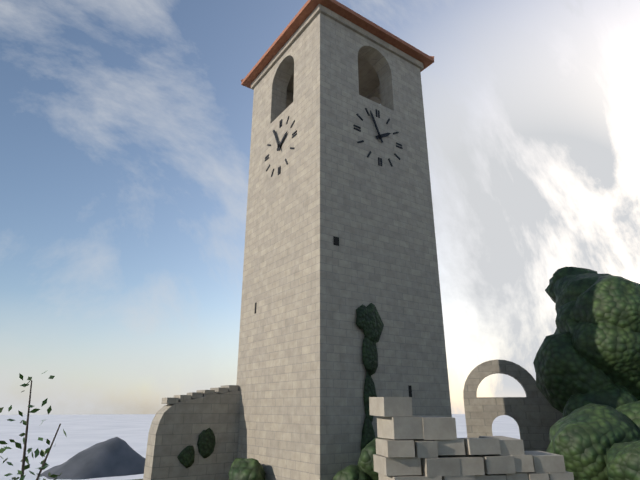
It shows 1h56
